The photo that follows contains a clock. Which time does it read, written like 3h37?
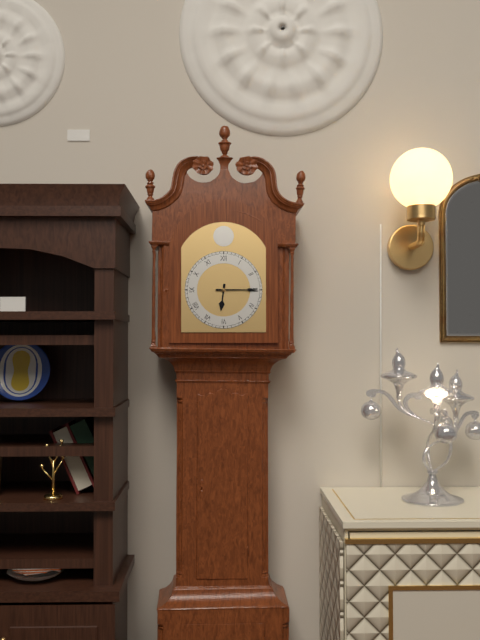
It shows 6h15
